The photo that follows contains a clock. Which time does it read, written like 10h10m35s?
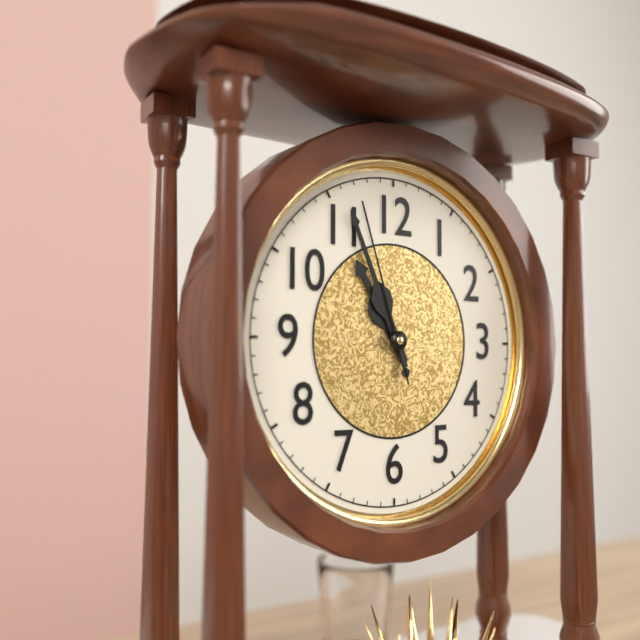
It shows 10h56m57s
